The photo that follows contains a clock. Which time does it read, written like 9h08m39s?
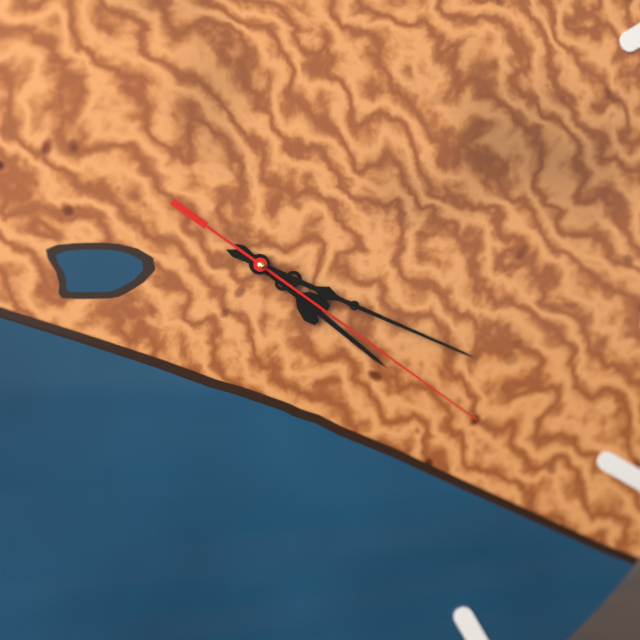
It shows 4h19m21s
